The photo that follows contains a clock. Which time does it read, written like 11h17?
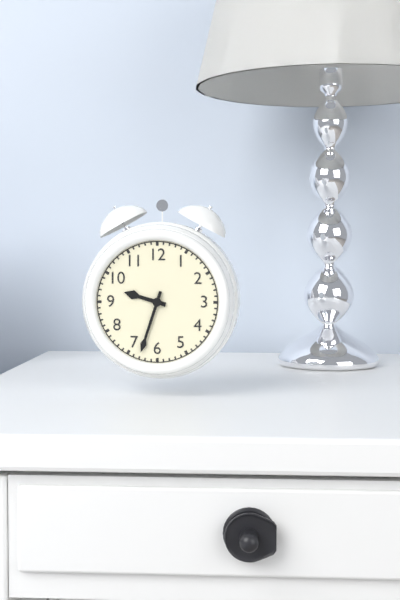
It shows 9h33
